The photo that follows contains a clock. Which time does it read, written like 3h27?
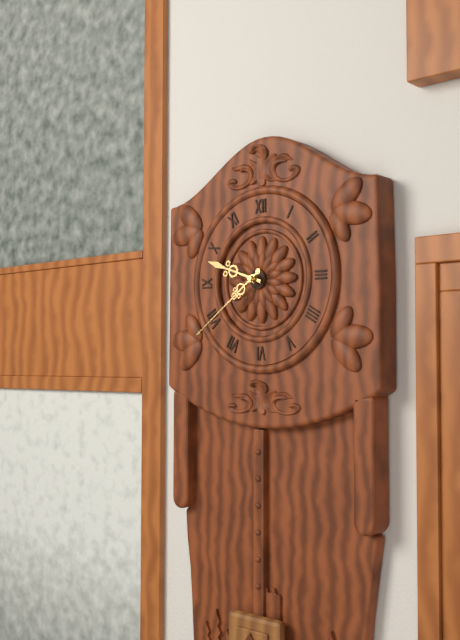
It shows 9h39
